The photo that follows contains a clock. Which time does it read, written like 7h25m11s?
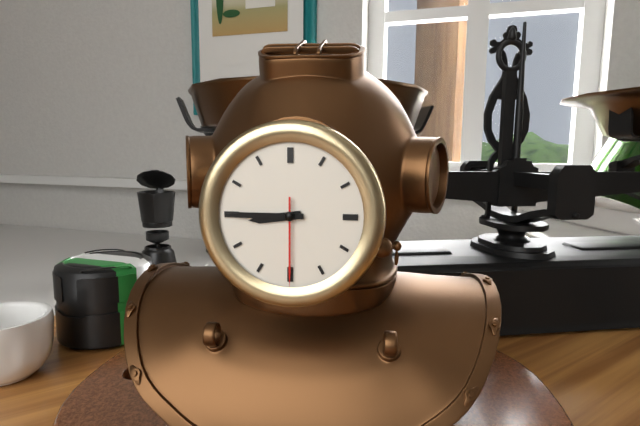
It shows 8h45m30s
